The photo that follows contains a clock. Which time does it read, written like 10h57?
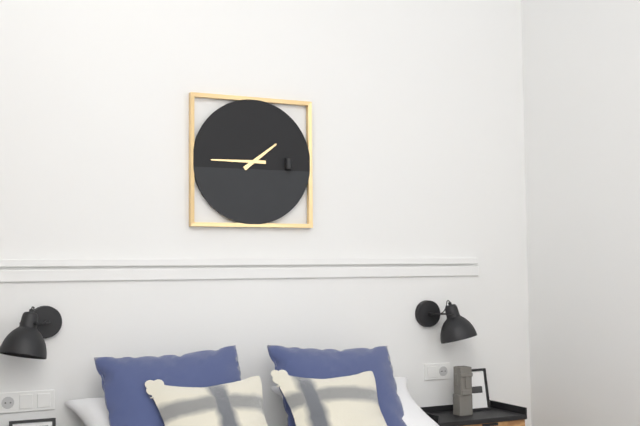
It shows 1h45
